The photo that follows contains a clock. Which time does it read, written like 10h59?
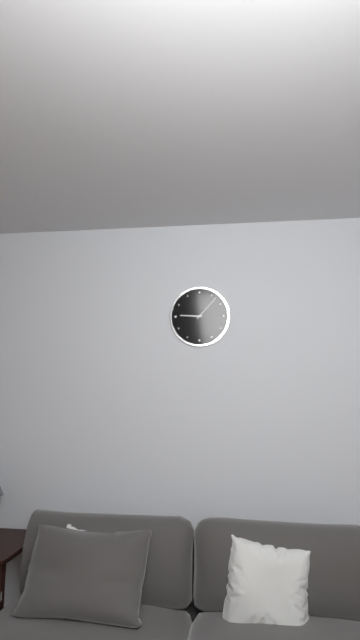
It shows 9h07
